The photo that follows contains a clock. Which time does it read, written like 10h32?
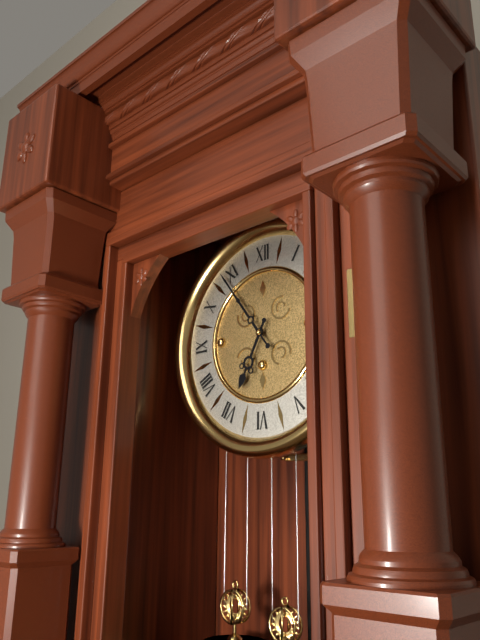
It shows 6h54
